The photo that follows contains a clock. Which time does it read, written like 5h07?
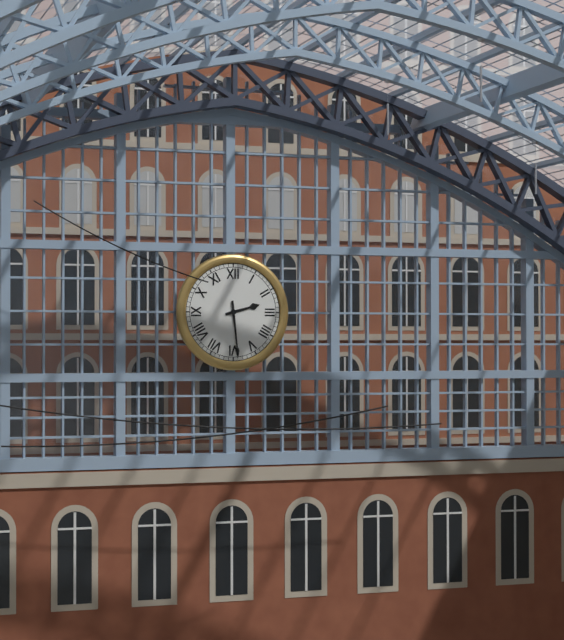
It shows 2h29
